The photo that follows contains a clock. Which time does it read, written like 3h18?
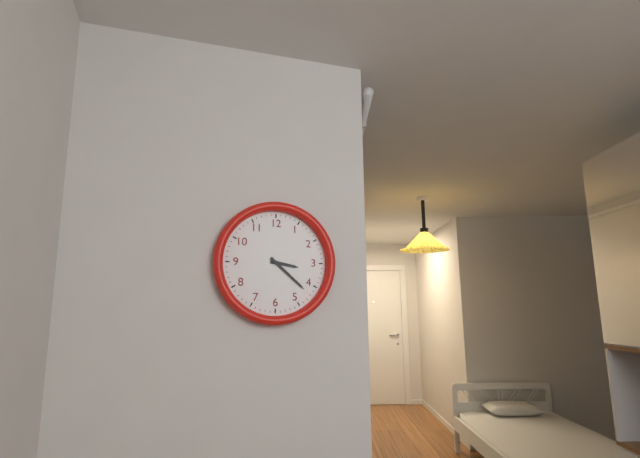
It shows 3h22
